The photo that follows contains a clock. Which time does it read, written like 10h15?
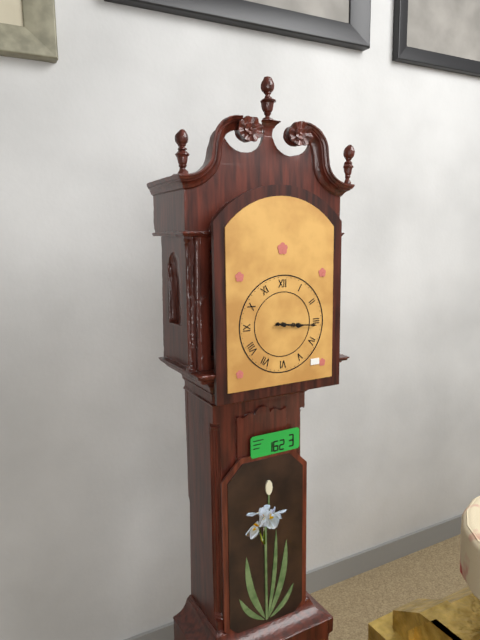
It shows 3h16
